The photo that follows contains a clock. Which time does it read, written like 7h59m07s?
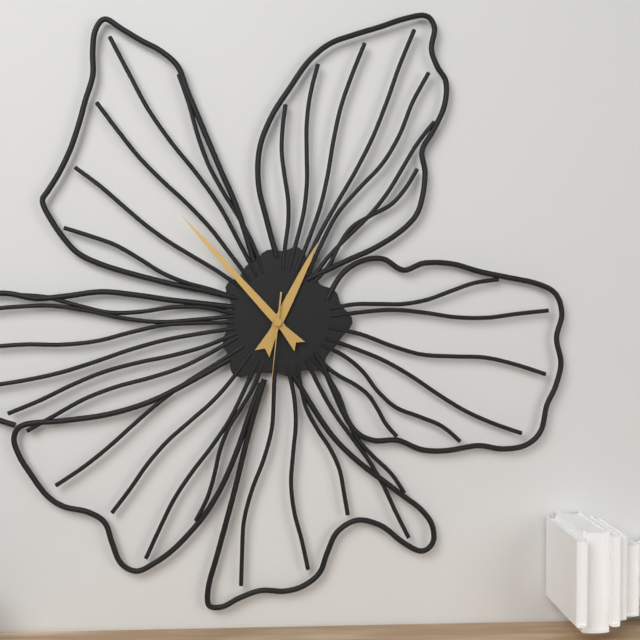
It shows 12h53m31s
